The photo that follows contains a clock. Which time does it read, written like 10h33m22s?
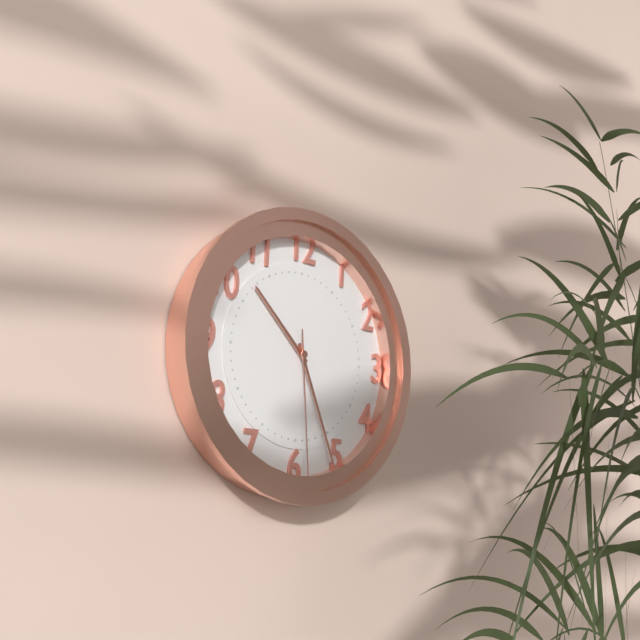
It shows 10h26m29s
